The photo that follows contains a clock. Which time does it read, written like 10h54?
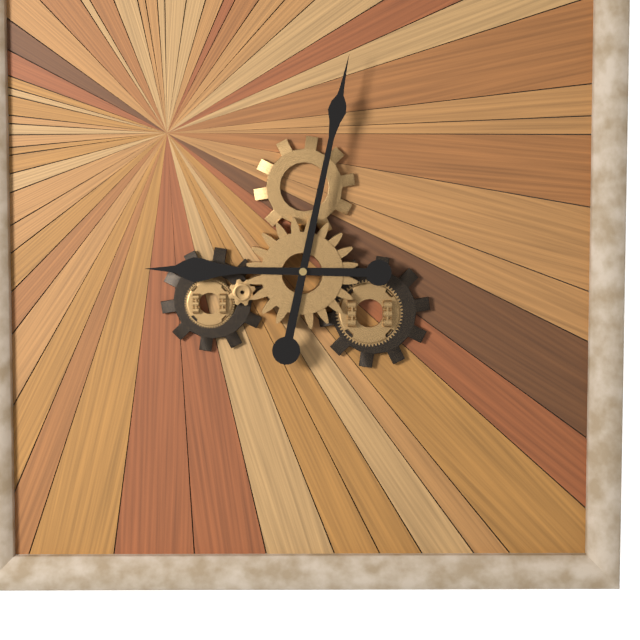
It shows 9h02
